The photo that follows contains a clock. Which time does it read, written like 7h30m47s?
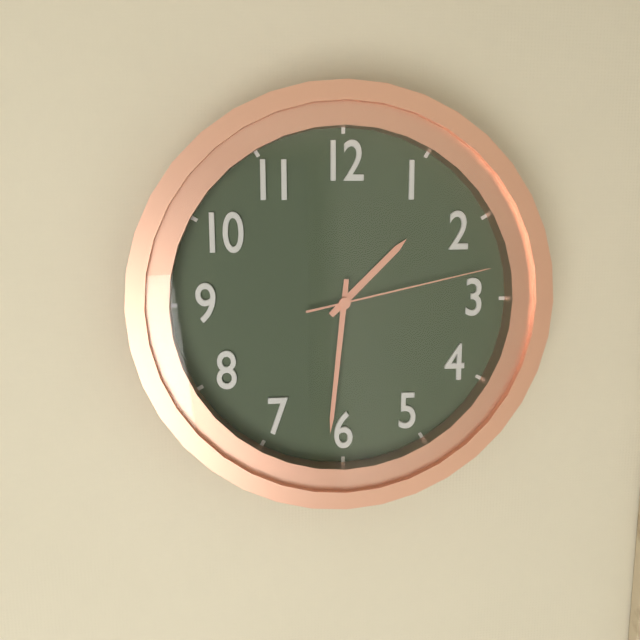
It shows 1h31m13s
